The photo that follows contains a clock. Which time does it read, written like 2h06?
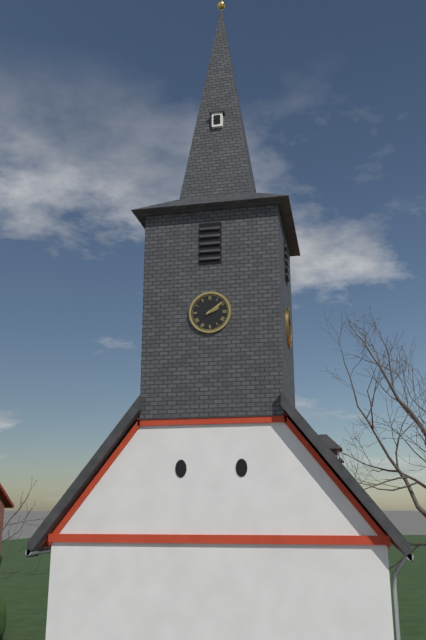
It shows 2h09
